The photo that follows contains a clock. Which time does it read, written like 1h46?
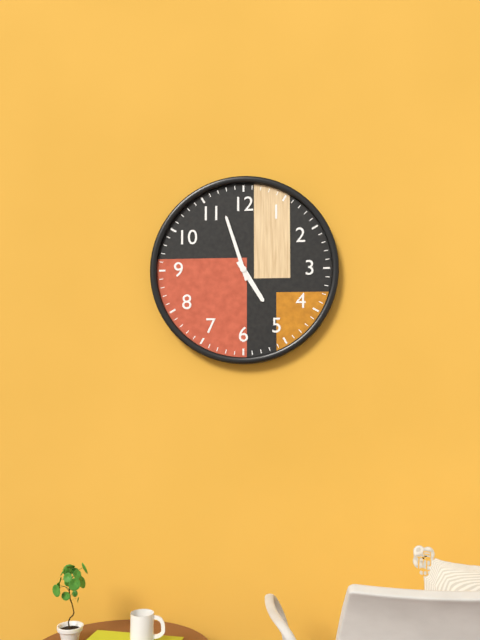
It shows 4h57
